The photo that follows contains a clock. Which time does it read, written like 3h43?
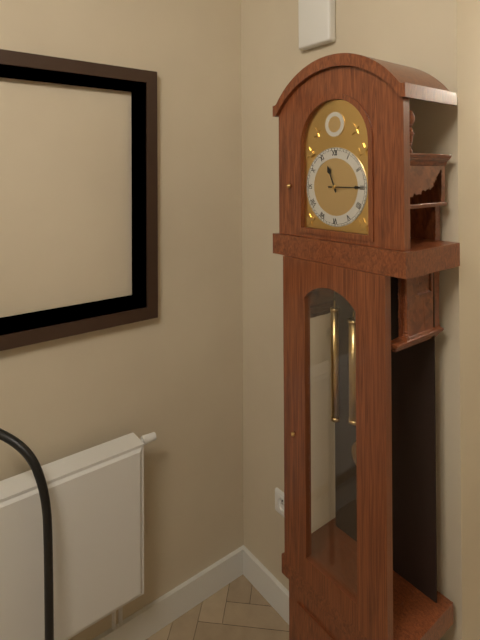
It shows 11h15
